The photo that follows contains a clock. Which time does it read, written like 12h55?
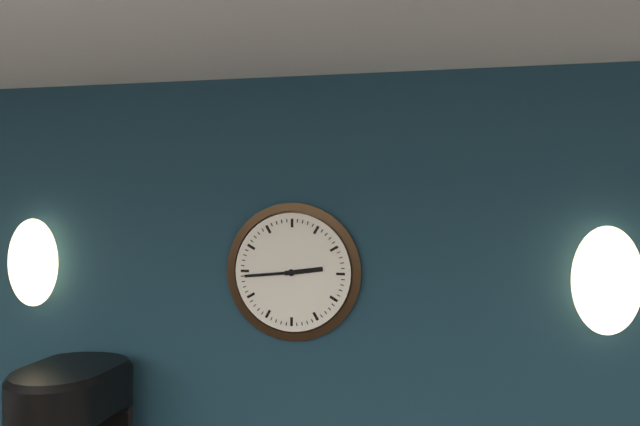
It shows 2h44
